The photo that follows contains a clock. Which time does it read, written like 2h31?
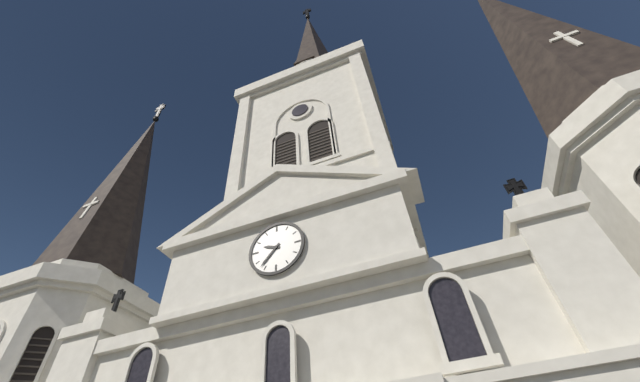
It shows 9h37
